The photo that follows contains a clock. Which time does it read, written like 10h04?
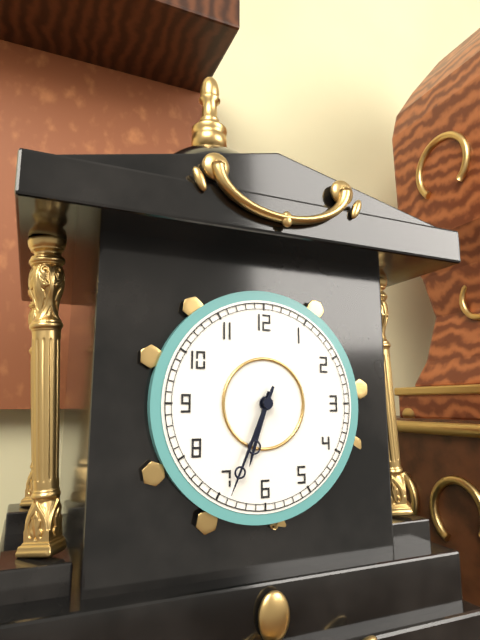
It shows 6h34
